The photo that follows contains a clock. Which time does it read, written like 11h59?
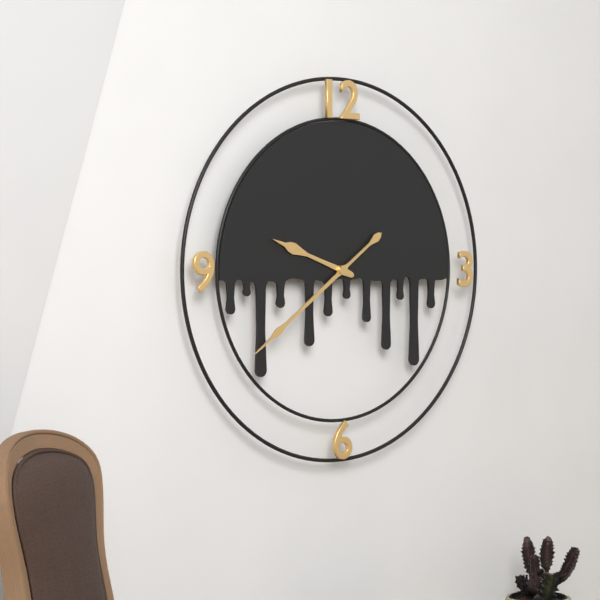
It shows 9h39
